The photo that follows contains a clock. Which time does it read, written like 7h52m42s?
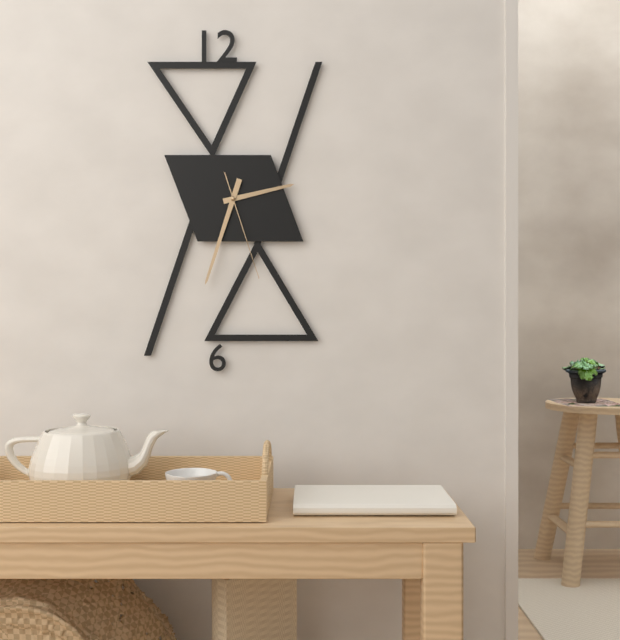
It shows 2h33m27s
